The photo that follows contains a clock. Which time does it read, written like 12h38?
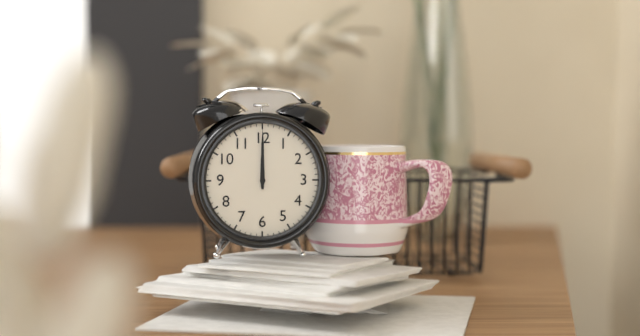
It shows 12h00
